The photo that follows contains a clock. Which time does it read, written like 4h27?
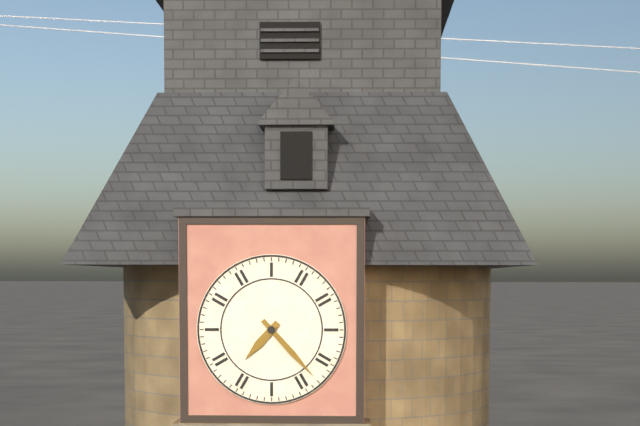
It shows 7h23
